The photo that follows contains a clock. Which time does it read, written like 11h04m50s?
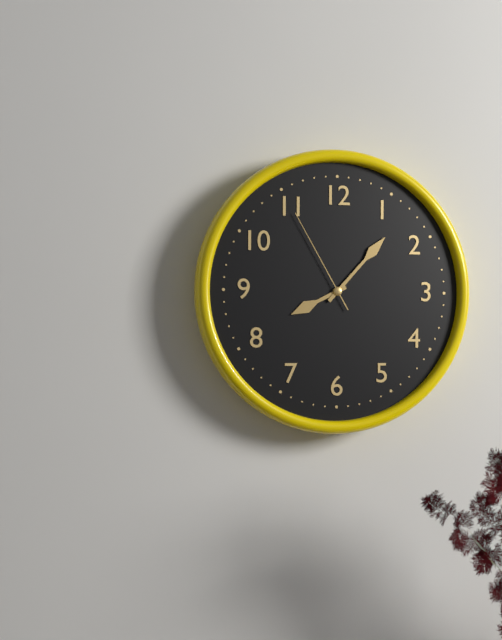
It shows 8h07m55s
